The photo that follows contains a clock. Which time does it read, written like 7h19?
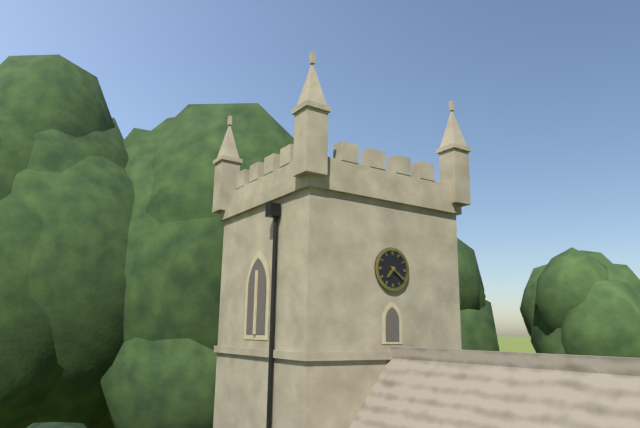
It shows 7h21
